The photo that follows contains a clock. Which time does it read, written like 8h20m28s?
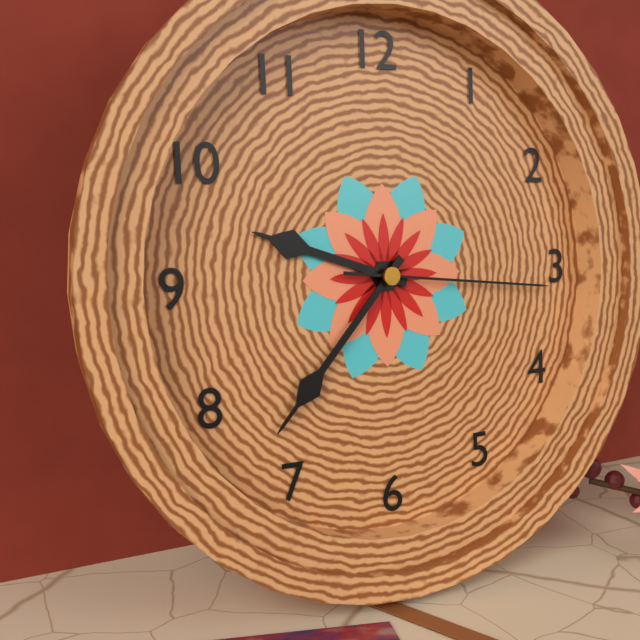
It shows 9h37m16s
